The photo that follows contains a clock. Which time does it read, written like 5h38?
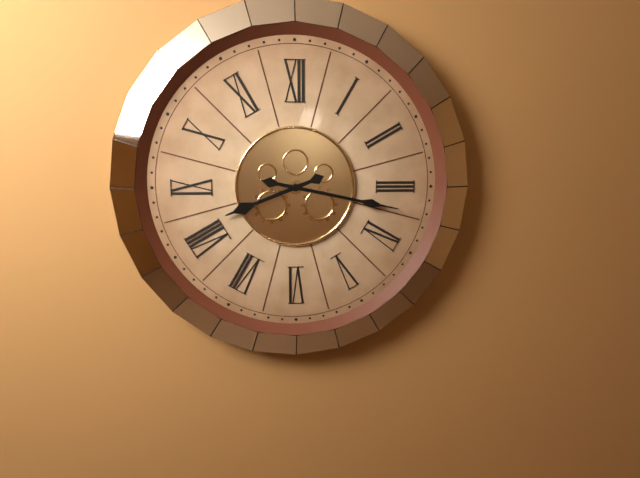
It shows 8h17
